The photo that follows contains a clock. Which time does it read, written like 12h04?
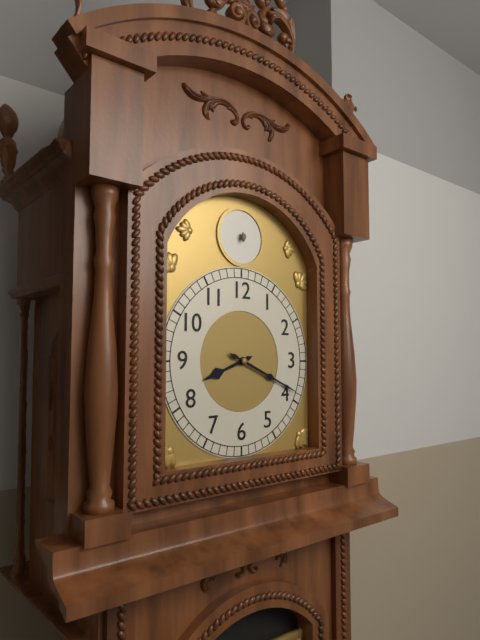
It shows 8h19
